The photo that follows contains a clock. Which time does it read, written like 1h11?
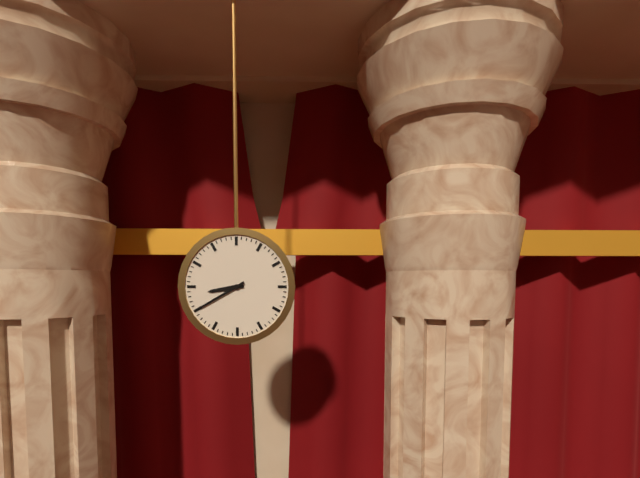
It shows 8h40
